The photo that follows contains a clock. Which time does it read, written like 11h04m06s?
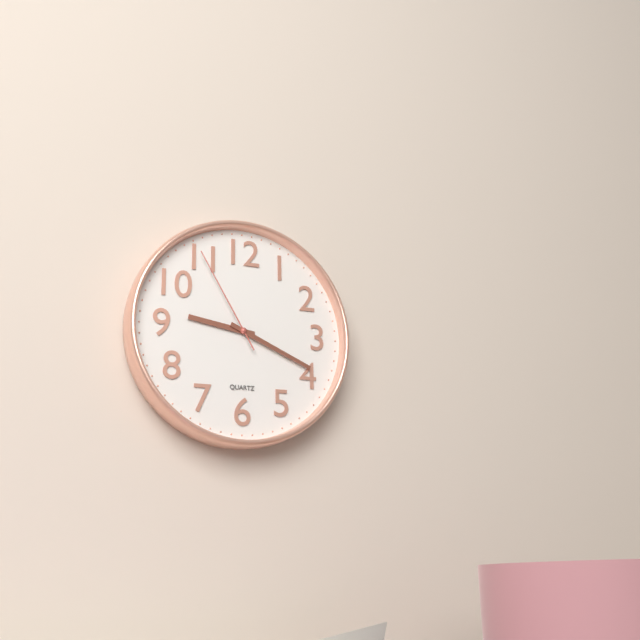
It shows 9h19m55s
